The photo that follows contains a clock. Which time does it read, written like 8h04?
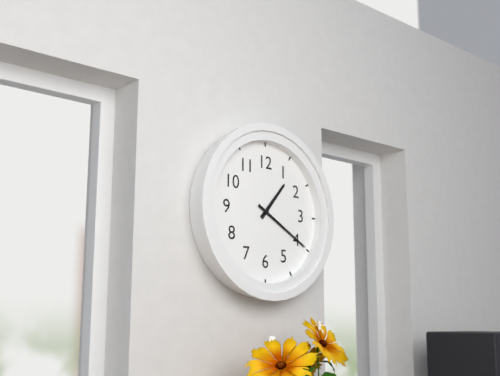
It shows 1h20
